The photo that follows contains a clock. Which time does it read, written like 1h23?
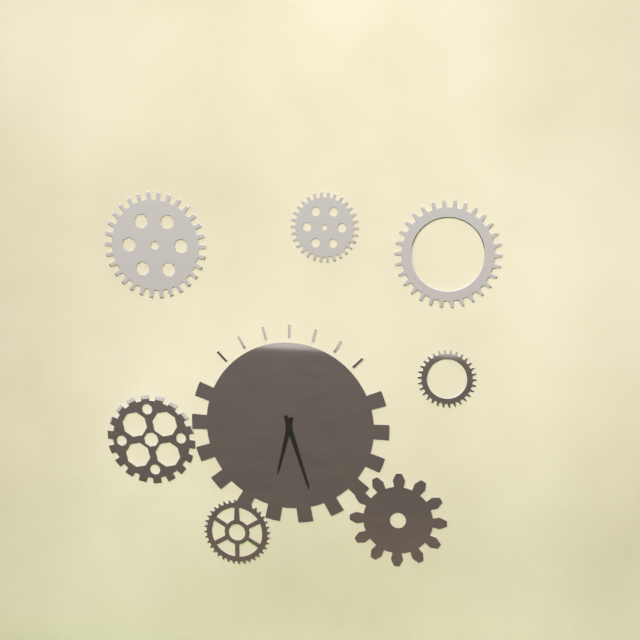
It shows 6h27
